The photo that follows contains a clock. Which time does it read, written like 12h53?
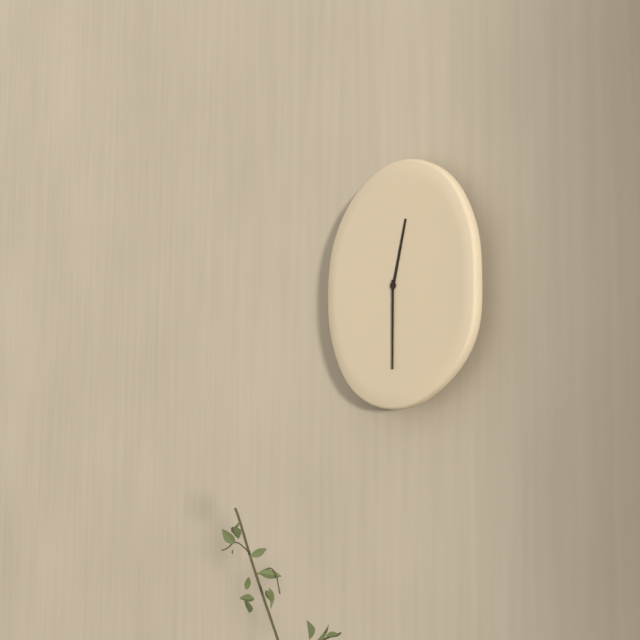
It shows 12h30
